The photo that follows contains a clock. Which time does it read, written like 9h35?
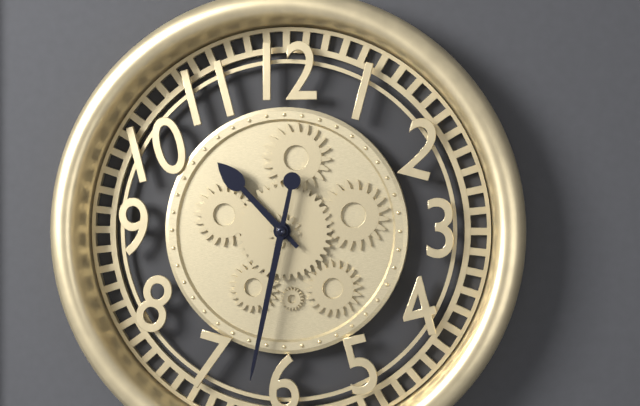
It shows 10h32
